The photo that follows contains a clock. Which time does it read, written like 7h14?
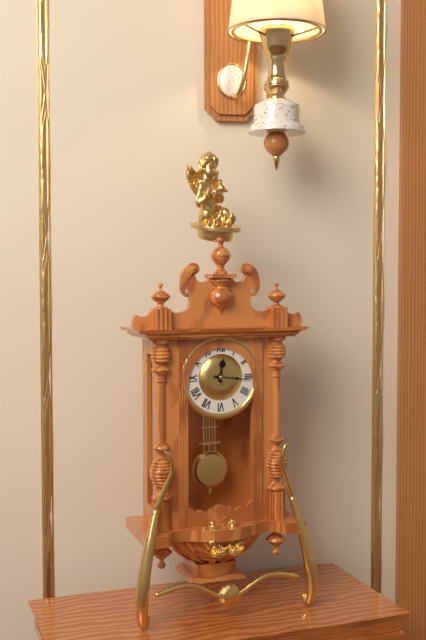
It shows 12h16
